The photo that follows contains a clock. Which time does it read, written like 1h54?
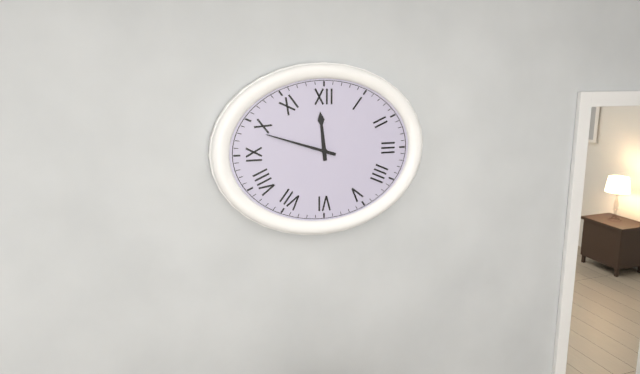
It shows 11h48
